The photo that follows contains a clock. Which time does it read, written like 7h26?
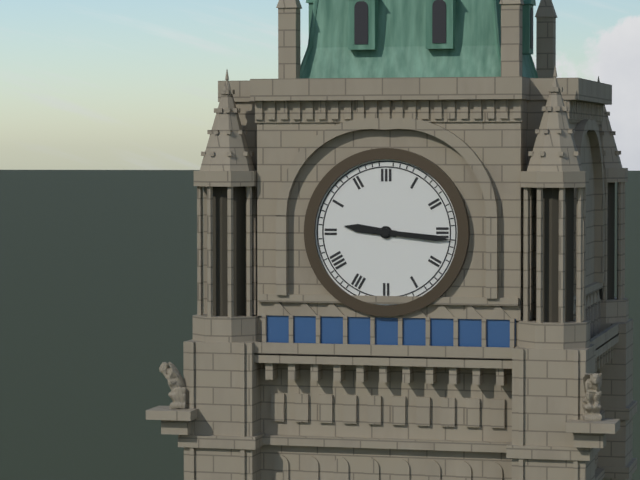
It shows 9h16
